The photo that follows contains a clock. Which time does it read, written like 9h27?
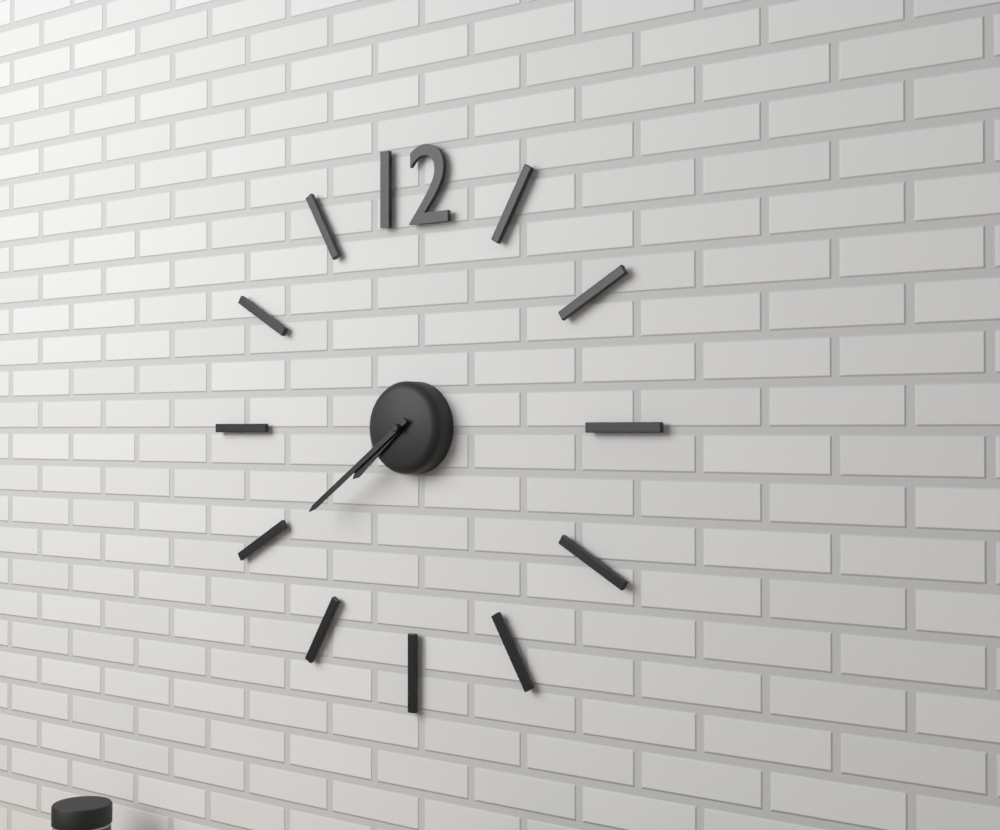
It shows 7h39
